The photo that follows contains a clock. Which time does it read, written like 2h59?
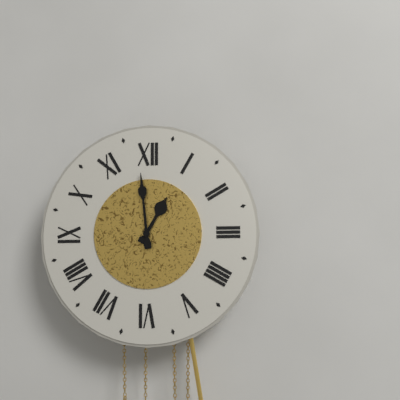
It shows 12h59
